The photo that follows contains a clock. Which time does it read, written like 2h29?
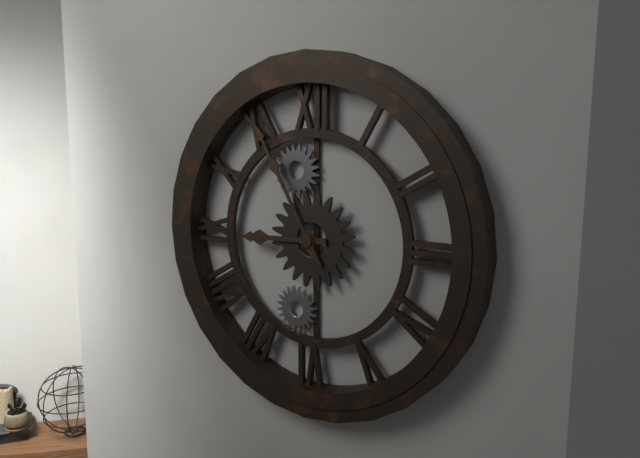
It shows 8h55
